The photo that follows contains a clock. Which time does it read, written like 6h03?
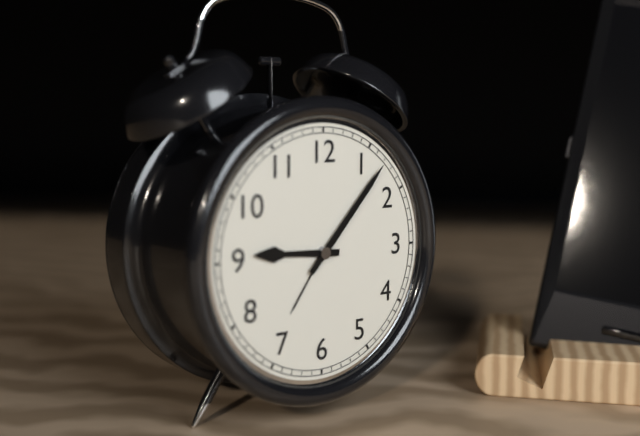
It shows 9h07
